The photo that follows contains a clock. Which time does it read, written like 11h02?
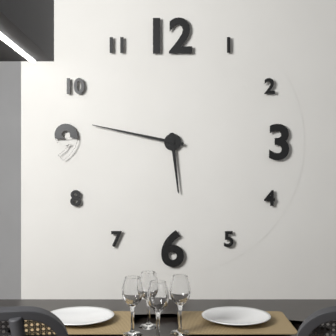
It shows 5h47
